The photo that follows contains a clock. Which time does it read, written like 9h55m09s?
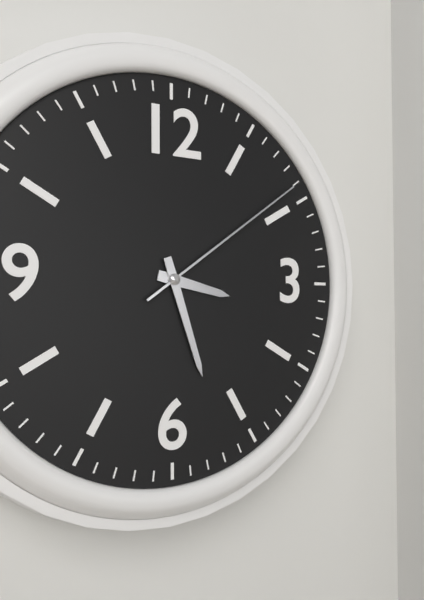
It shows 3h27m09s
